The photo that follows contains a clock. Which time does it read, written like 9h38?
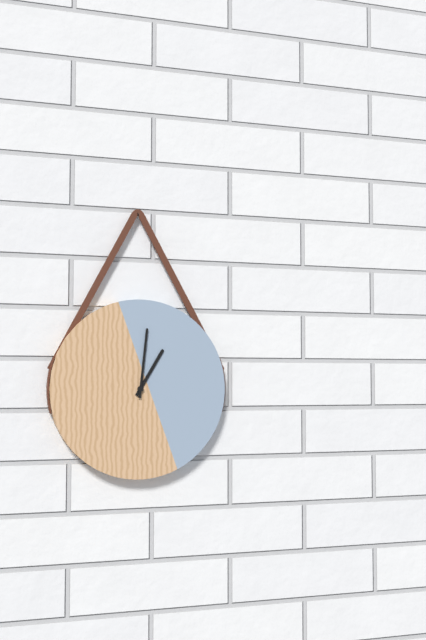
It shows 1h01
